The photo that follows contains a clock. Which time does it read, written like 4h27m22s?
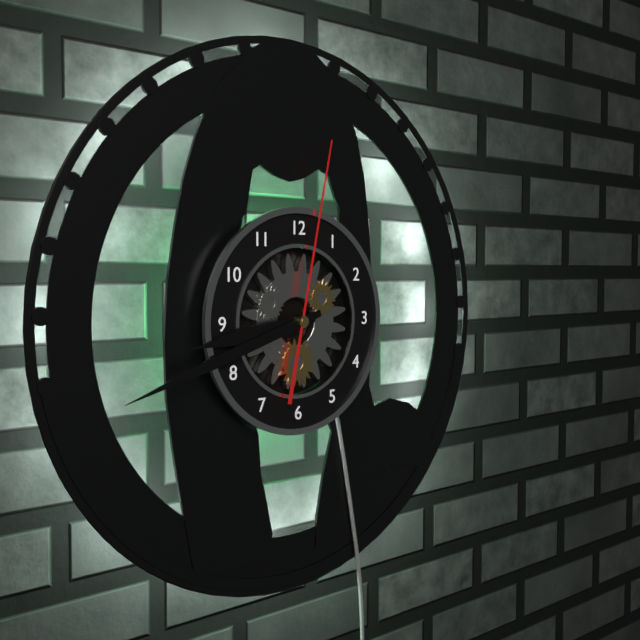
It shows 8h42m02s
